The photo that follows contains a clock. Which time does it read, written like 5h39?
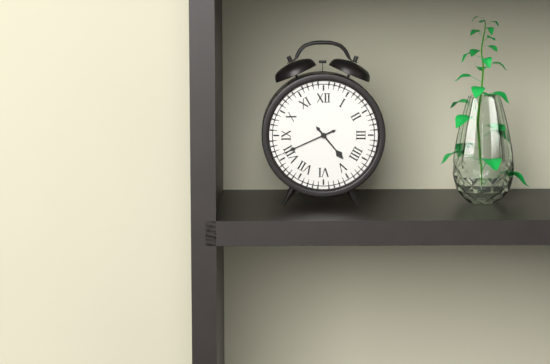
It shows 4h41
